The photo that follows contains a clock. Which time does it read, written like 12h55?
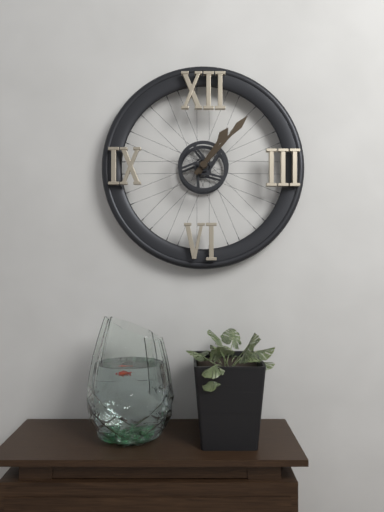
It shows 1h07
